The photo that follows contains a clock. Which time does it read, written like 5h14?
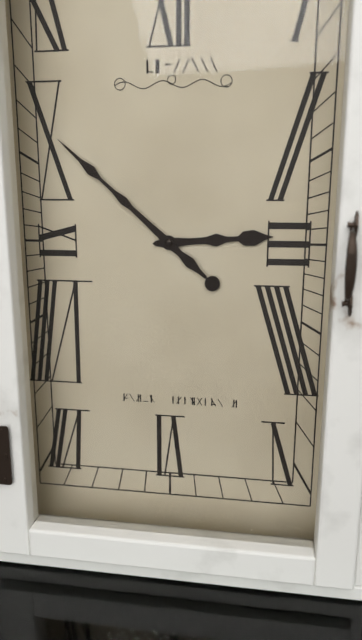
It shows 2h52
